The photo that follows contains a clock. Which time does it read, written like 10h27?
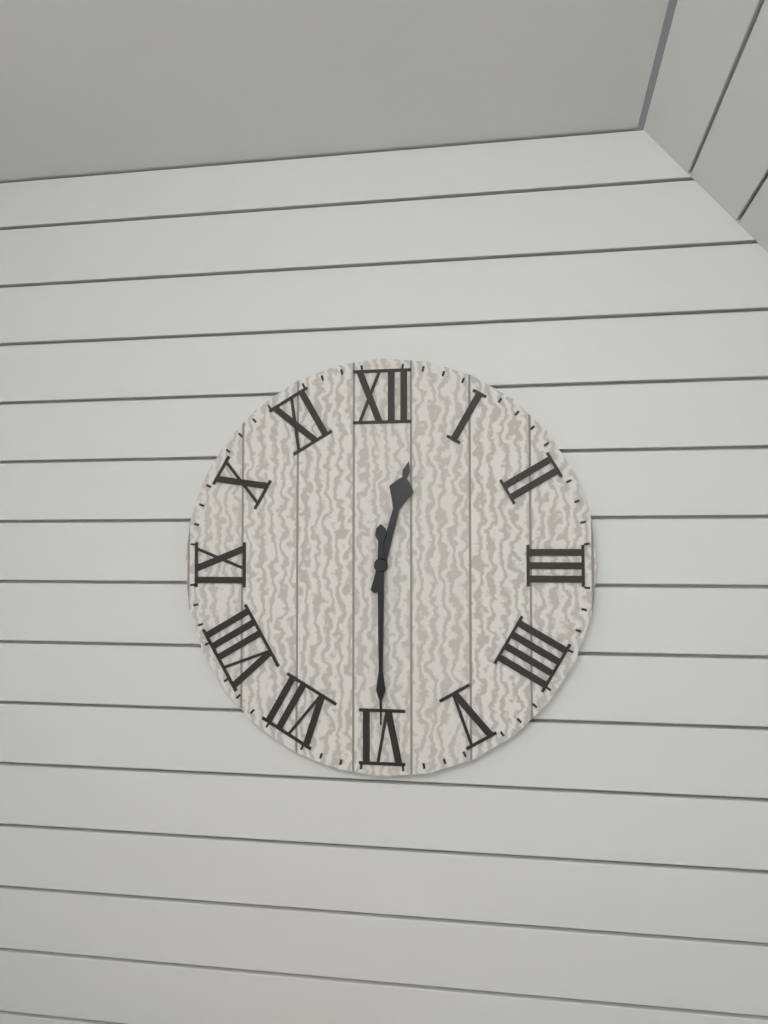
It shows 12h30
